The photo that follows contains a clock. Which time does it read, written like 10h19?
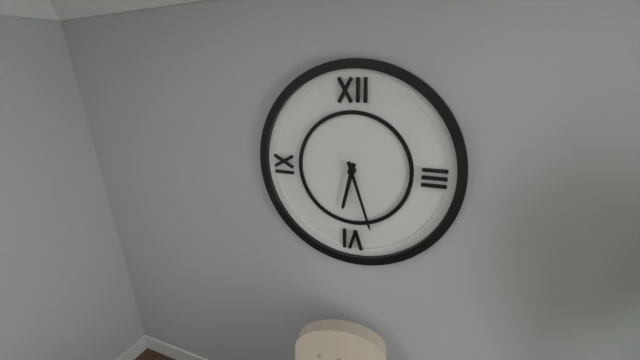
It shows 6h27
